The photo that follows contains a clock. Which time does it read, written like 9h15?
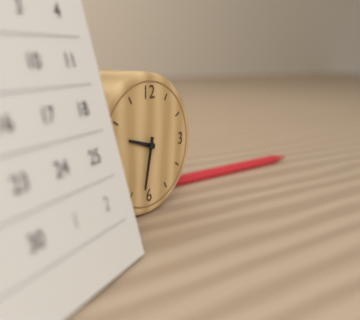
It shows 9h32
